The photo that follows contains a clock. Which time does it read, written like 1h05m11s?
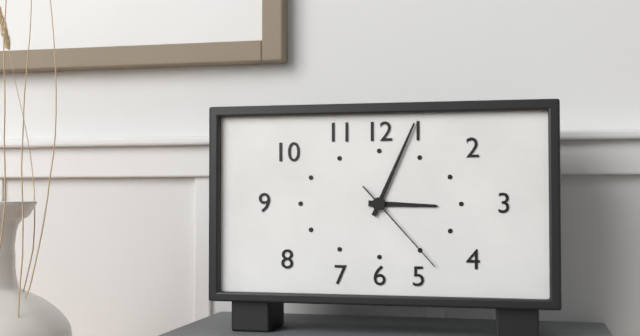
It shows 3h04m23s
